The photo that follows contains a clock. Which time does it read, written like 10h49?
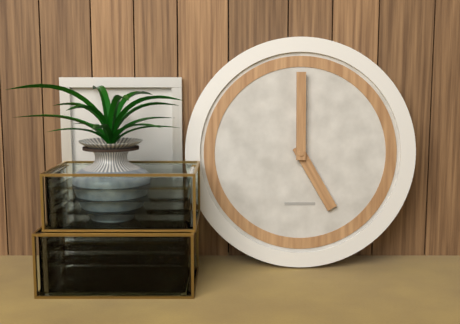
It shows 5h00
